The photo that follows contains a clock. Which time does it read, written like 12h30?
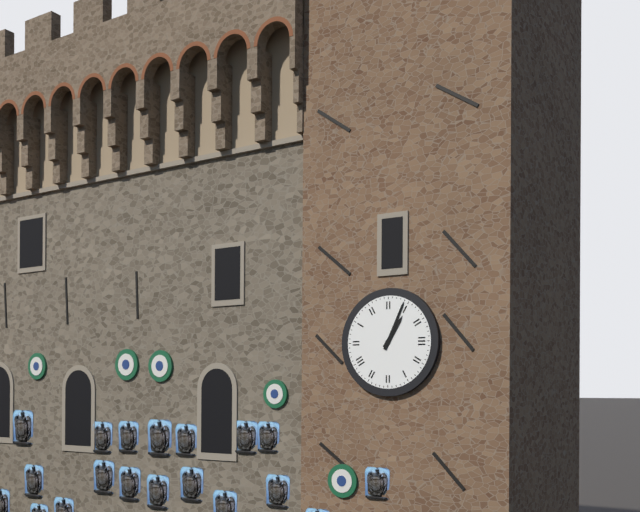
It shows 1h04
